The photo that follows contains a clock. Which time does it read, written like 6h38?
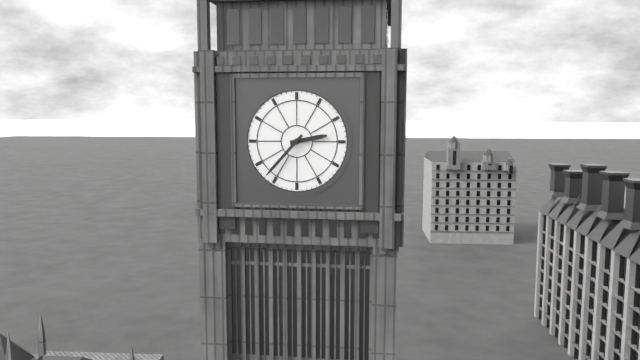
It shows 2h37
